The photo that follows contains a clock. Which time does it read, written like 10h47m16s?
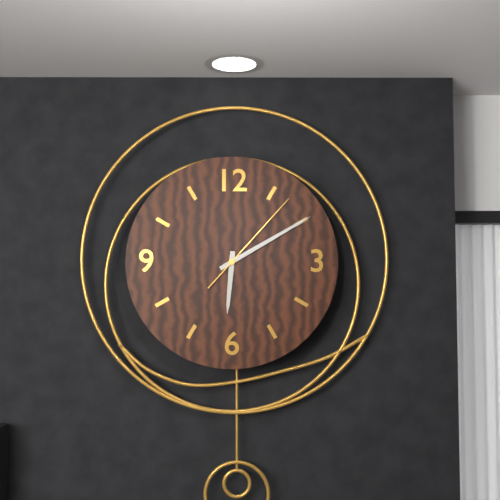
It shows 6h10m07s
